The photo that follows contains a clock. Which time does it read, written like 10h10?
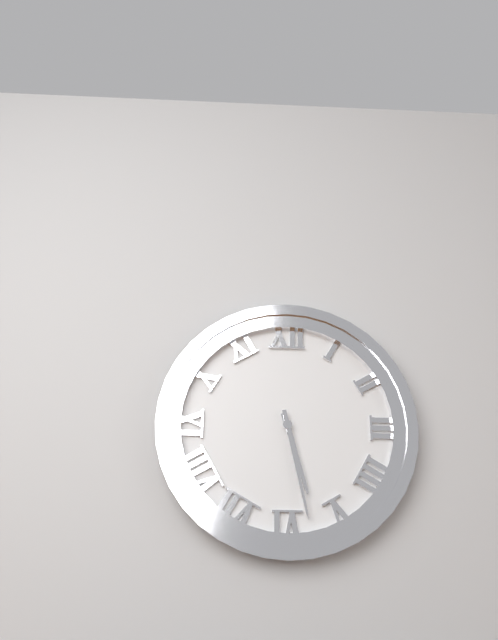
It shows 5h28
